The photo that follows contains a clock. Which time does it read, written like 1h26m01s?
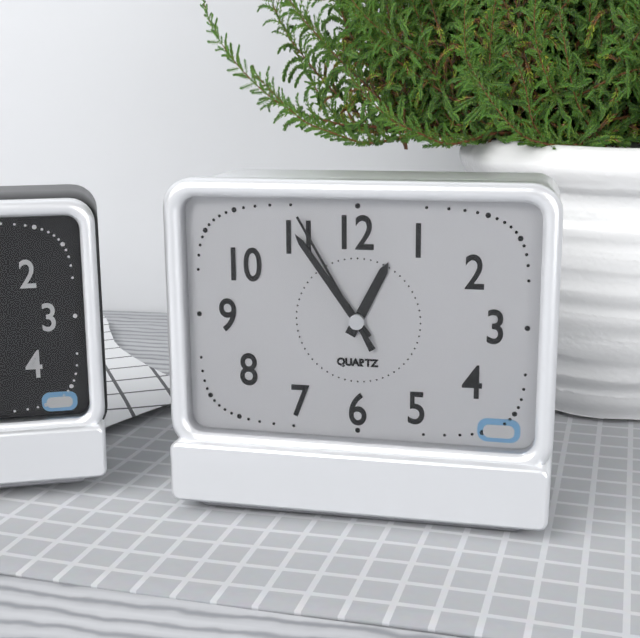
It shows 12h54m55s
